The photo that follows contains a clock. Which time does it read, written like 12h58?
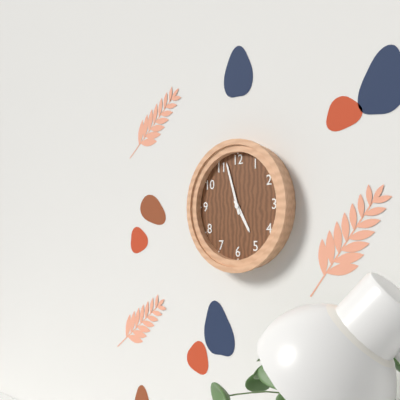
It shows 4h57
